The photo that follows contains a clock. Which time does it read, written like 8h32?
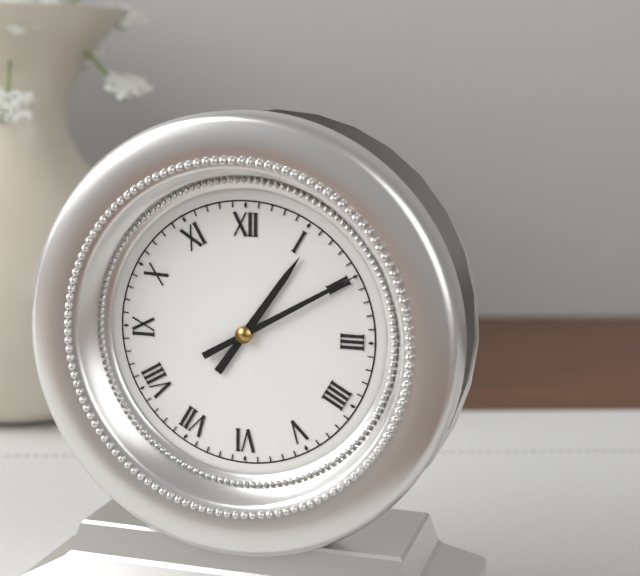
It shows 1h10
